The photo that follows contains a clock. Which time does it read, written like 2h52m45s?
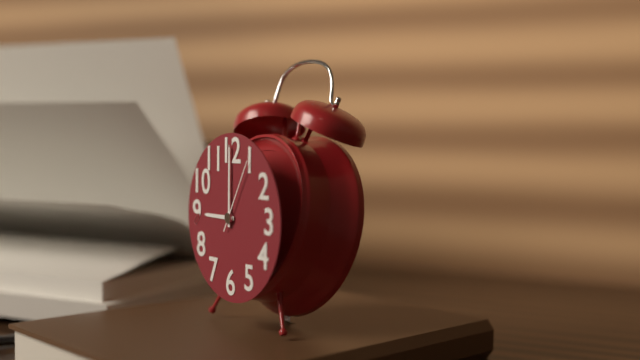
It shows 9h00m05s
